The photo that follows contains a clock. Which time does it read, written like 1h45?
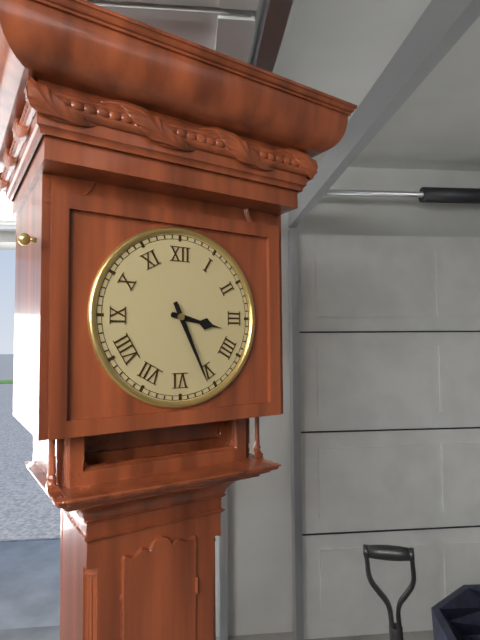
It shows 3h26
